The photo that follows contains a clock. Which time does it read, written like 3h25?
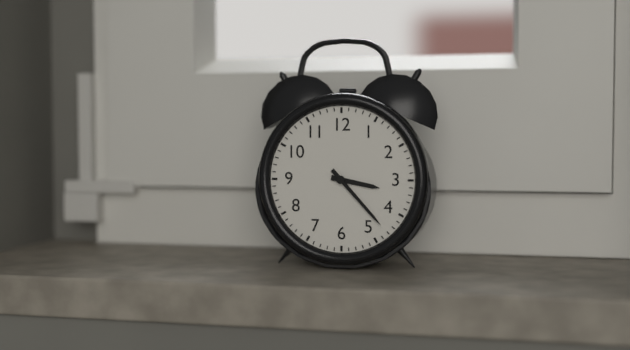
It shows 3h23
